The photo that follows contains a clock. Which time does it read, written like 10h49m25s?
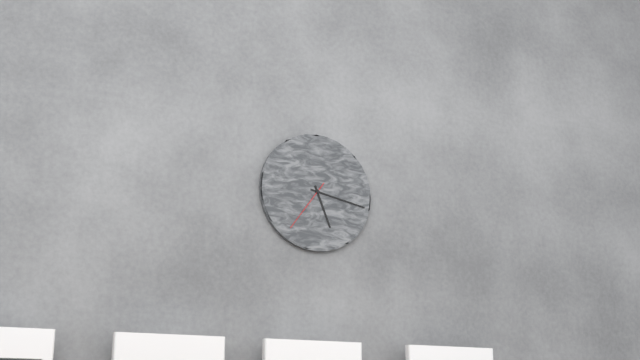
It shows 5h17m36s
